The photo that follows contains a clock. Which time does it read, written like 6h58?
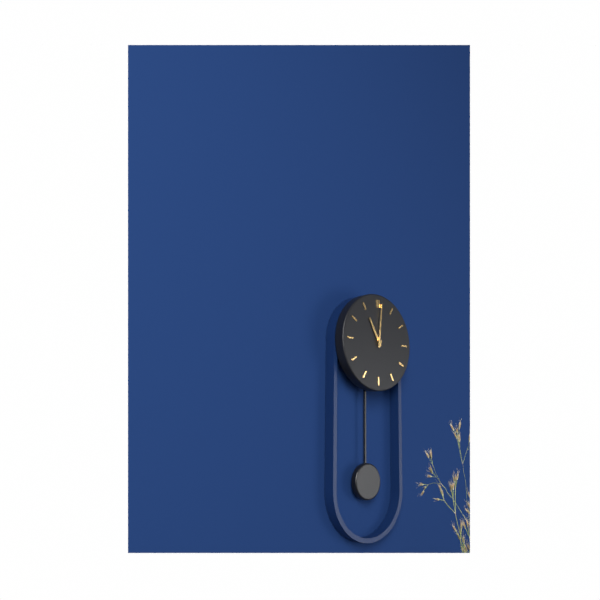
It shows 11h01
